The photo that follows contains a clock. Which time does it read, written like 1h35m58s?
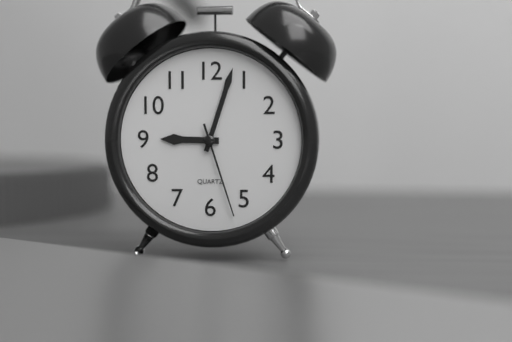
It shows 9h03m27s
